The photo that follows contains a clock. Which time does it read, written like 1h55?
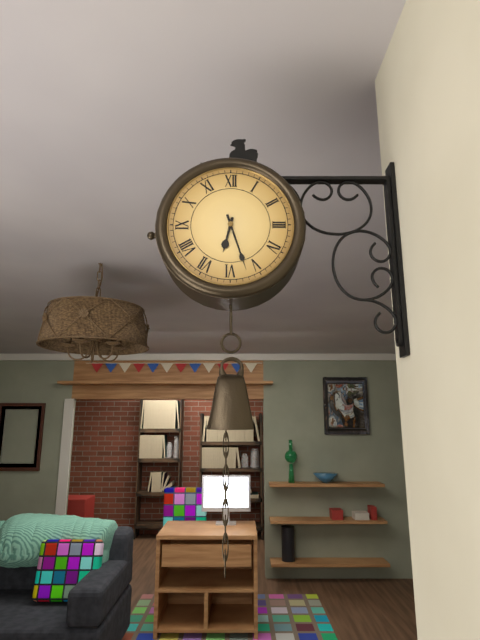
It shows 6h27
